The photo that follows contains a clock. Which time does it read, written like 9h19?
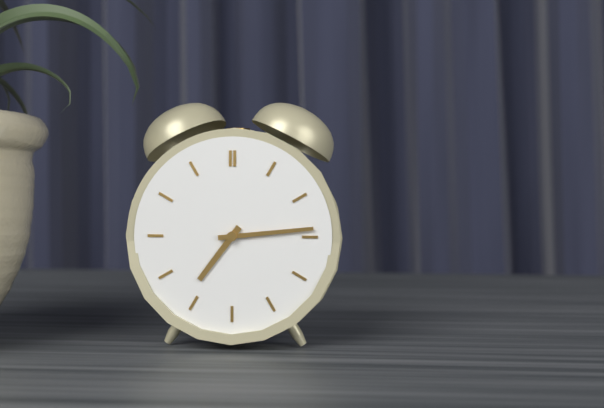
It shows 7h14
